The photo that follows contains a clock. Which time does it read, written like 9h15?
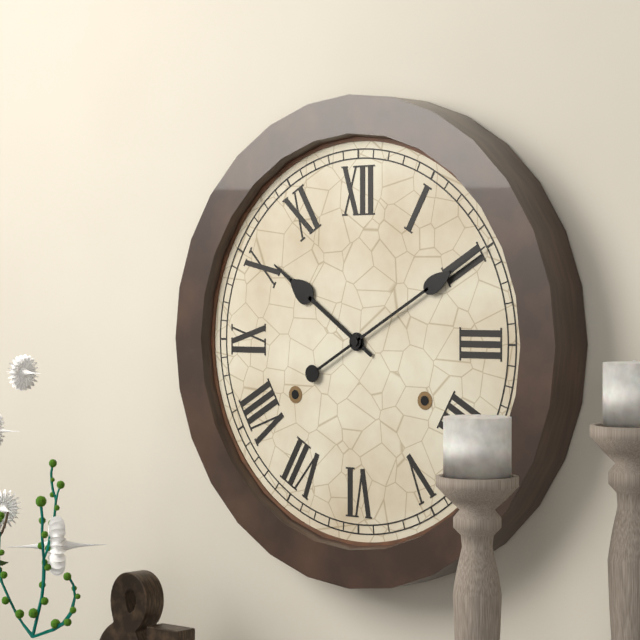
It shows 10h10
